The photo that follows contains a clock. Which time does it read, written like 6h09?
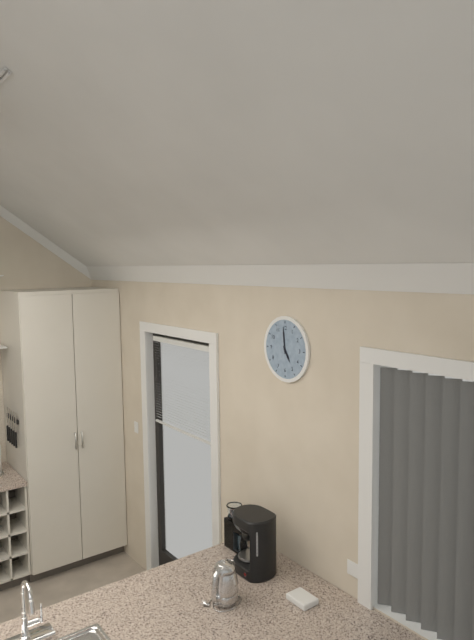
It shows 4h59
